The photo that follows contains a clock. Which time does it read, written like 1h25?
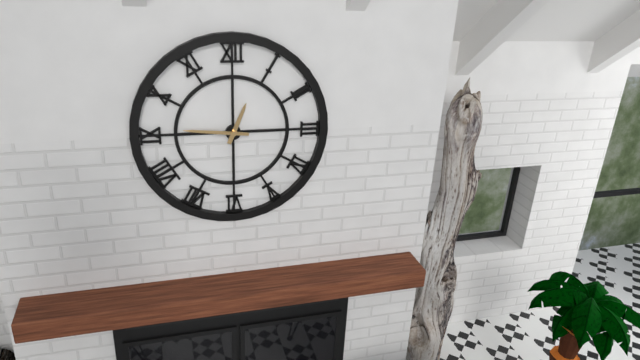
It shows 12h46
